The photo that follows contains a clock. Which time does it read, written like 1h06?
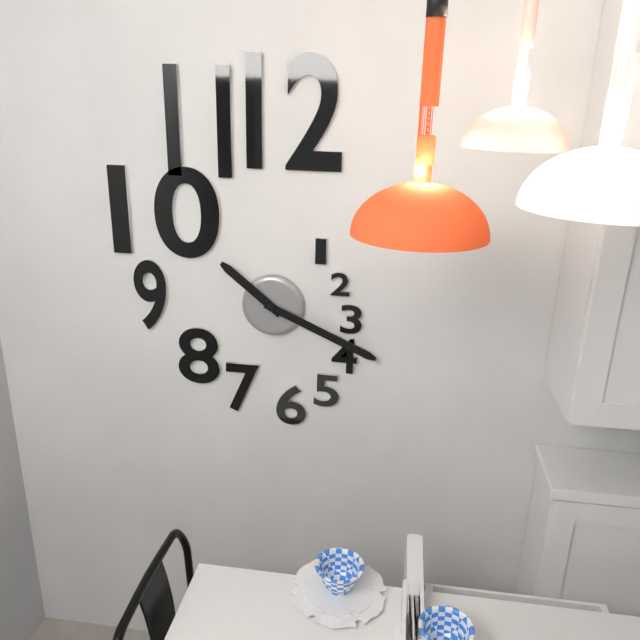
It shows 10h19
